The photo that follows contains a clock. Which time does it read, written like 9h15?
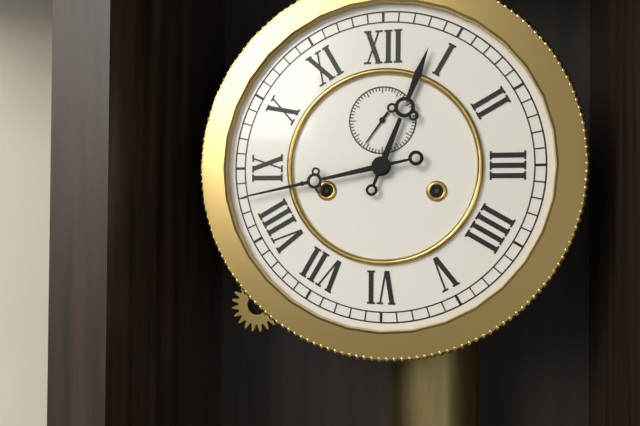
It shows 12h43
